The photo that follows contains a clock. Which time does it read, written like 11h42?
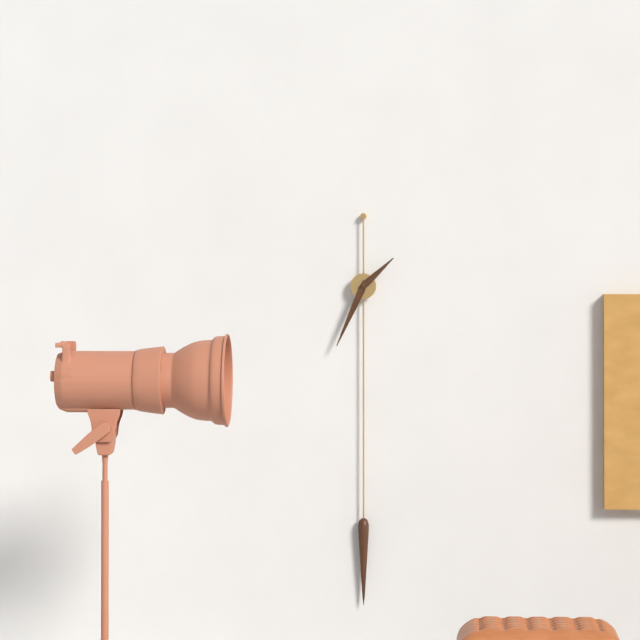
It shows 1h34
